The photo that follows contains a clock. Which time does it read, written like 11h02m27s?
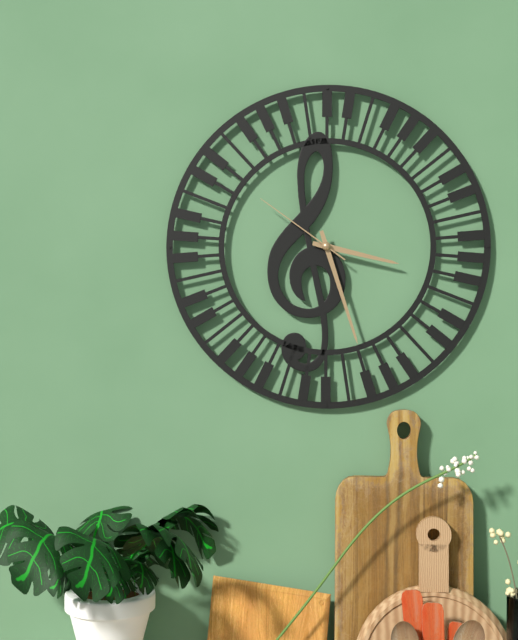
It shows 3h27m51s
